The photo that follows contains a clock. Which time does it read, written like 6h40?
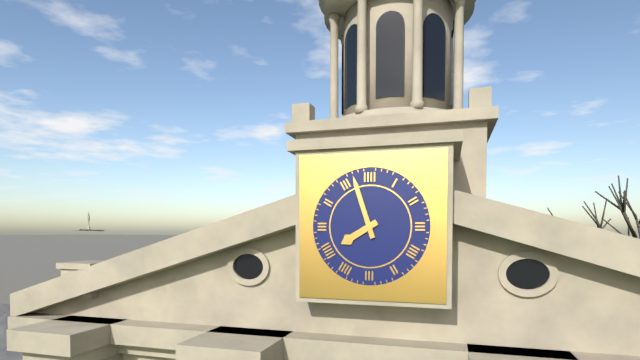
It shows 7h57
